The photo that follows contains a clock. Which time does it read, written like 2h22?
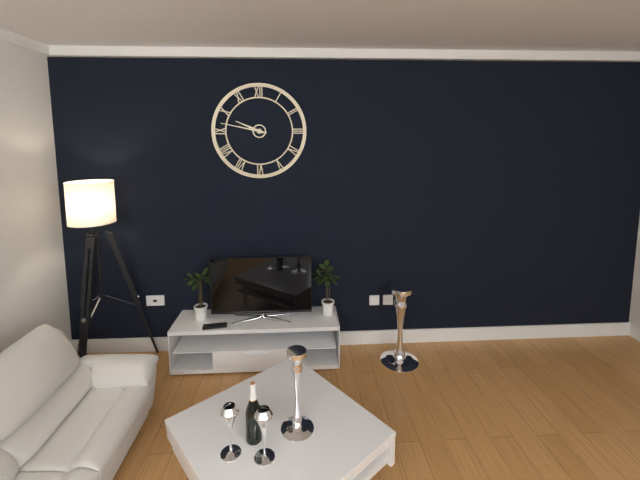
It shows 9h47
